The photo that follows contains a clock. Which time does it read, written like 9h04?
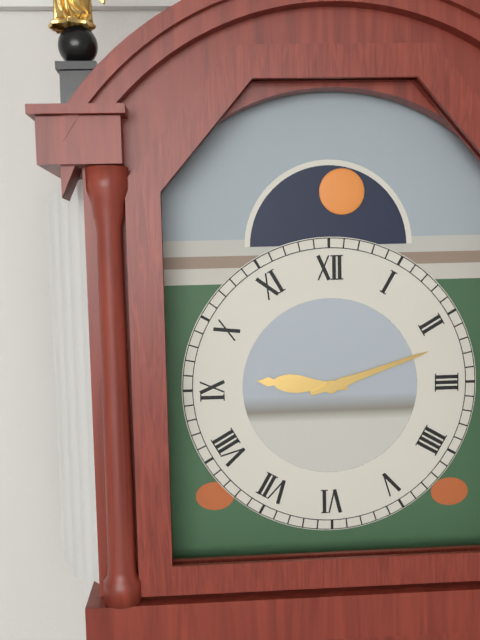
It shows 9h12
